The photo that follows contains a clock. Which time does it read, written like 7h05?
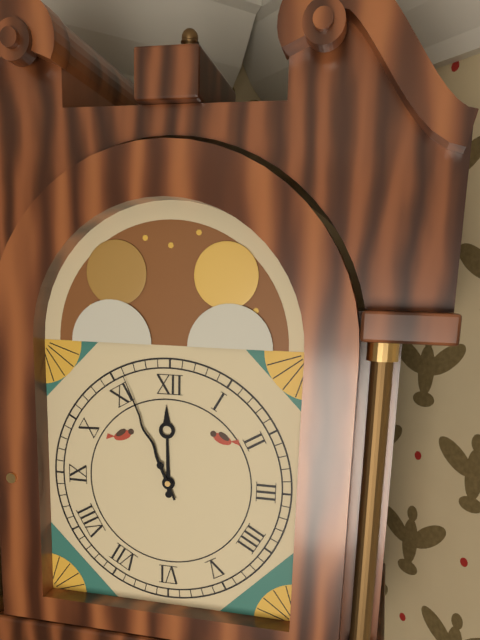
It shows 11h56
